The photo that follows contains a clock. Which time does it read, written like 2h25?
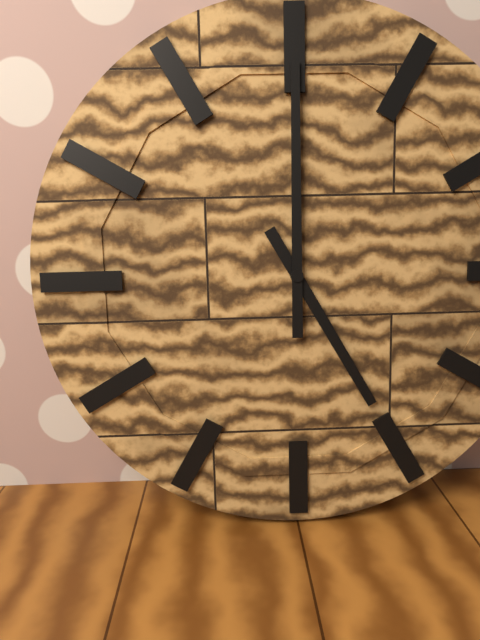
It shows 5h00
